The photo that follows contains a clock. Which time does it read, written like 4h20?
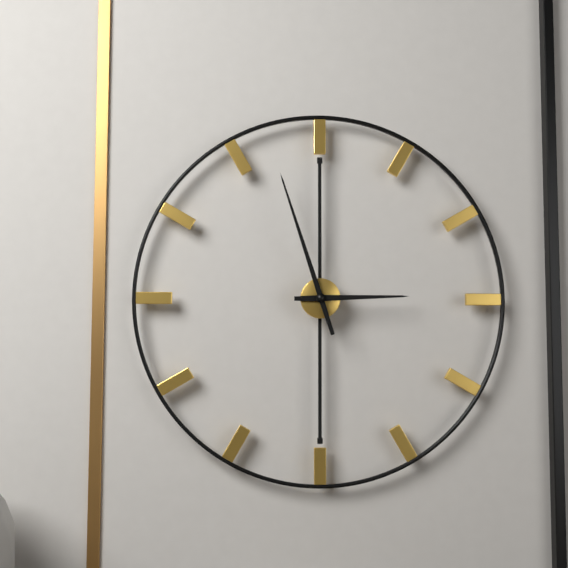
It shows 2h57
